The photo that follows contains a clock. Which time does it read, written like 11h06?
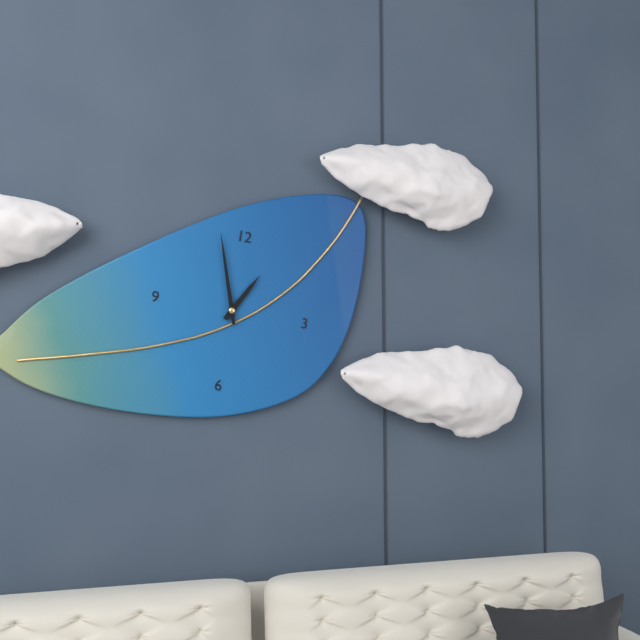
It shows 12h57
